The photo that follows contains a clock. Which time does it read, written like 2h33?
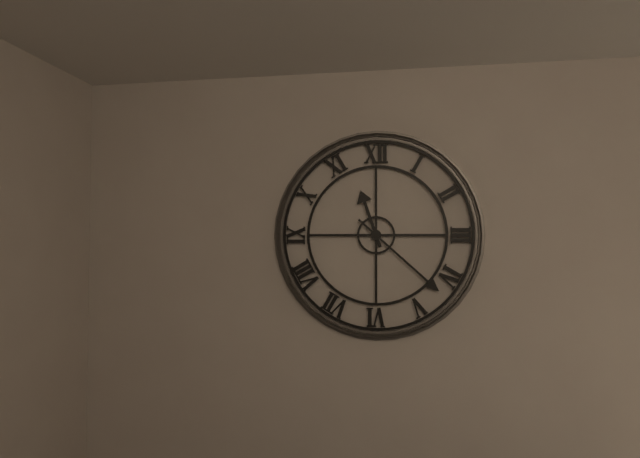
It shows 11h22
